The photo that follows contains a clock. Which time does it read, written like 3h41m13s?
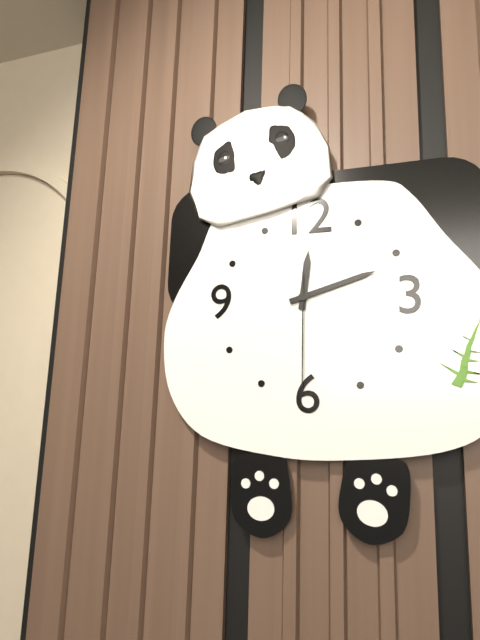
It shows 12h12m30s
